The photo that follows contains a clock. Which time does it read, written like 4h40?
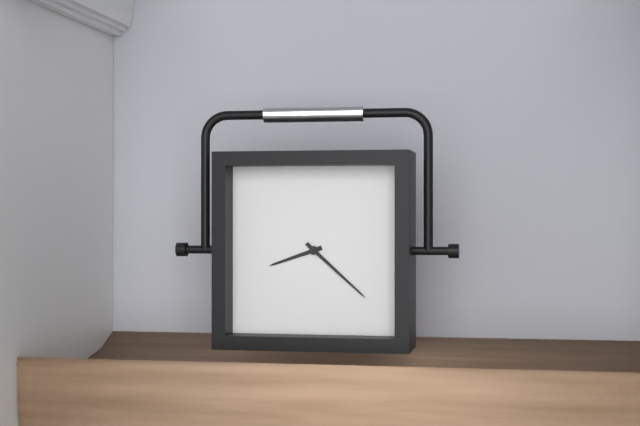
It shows 8h22
